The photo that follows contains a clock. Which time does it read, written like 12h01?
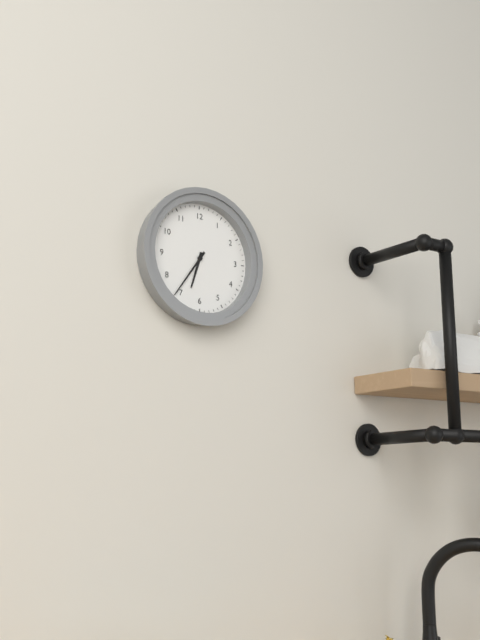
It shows 6h36
